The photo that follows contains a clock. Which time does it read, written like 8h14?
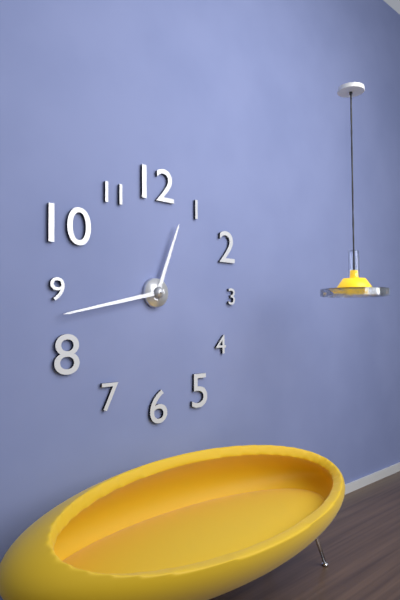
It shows 12h43
